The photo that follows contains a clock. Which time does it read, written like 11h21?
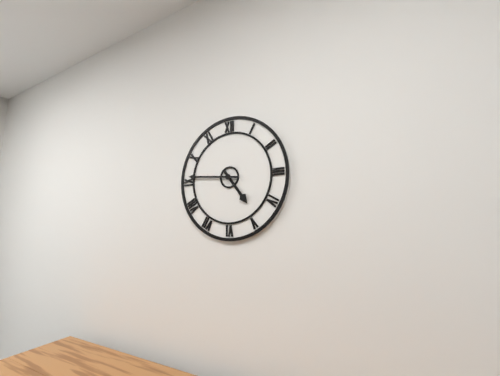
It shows 4h46
